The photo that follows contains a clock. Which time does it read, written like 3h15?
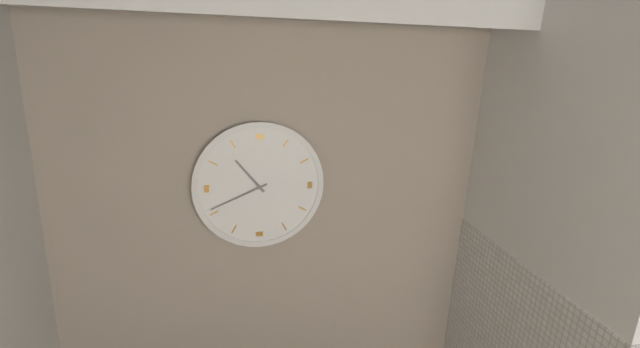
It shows 10h41
